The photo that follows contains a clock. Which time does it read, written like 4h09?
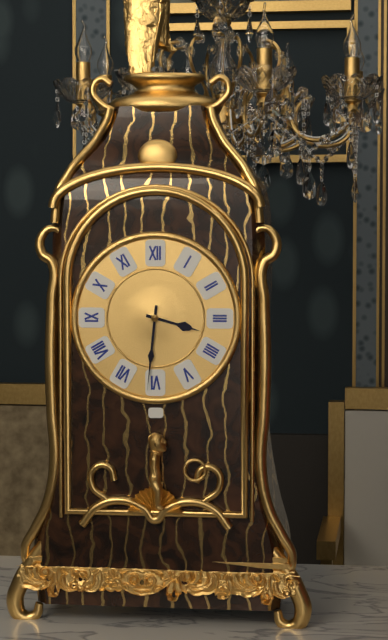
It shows 3h31
